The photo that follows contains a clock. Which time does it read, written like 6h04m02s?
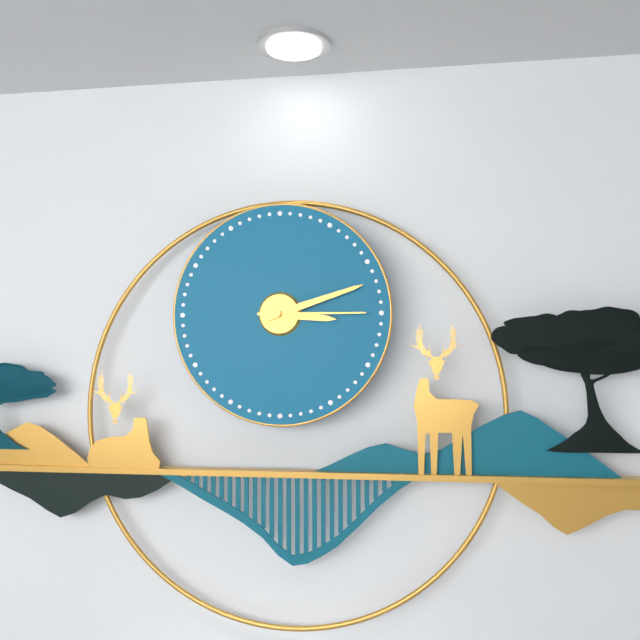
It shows 3h12m15s
